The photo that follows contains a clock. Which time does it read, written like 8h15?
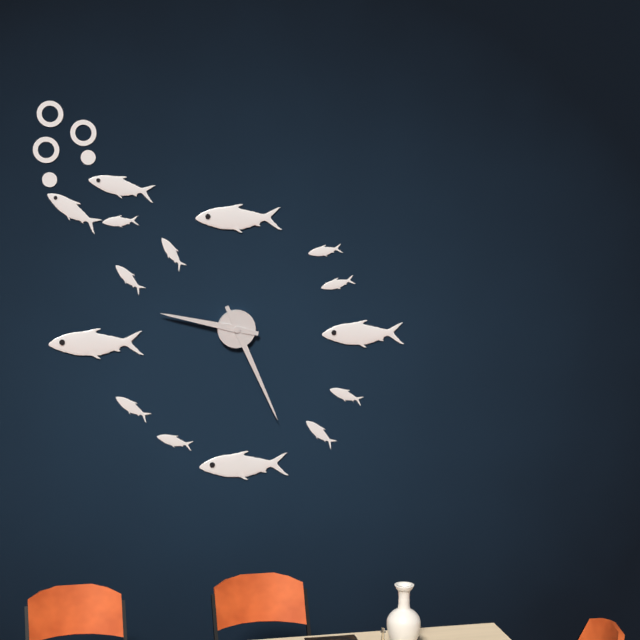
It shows 9h26
